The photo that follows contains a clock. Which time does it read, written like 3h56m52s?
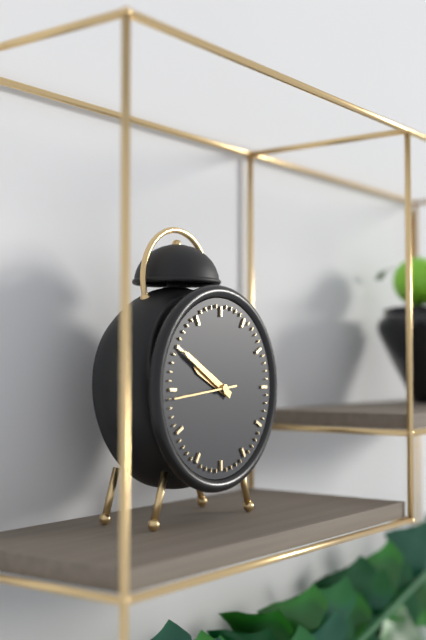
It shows 9h50m44s
